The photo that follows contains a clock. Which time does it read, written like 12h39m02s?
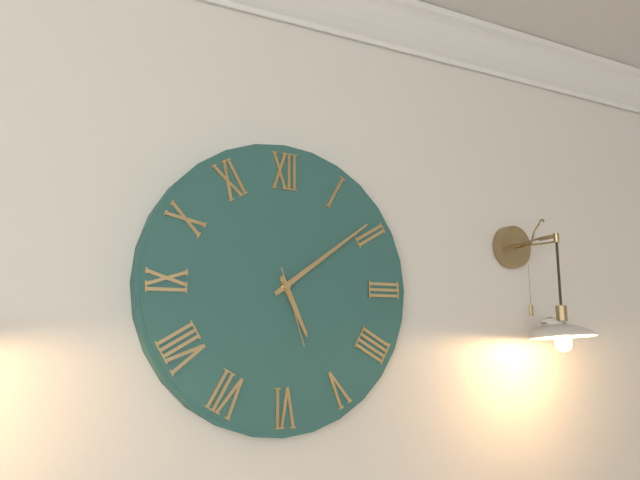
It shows 5h09m27s
